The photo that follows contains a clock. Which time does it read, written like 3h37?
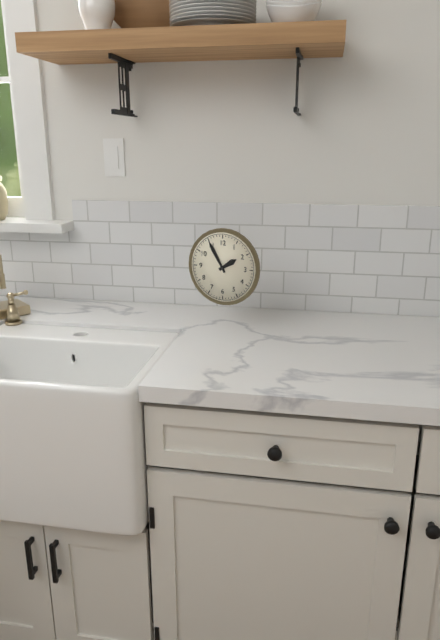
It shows 1h55
